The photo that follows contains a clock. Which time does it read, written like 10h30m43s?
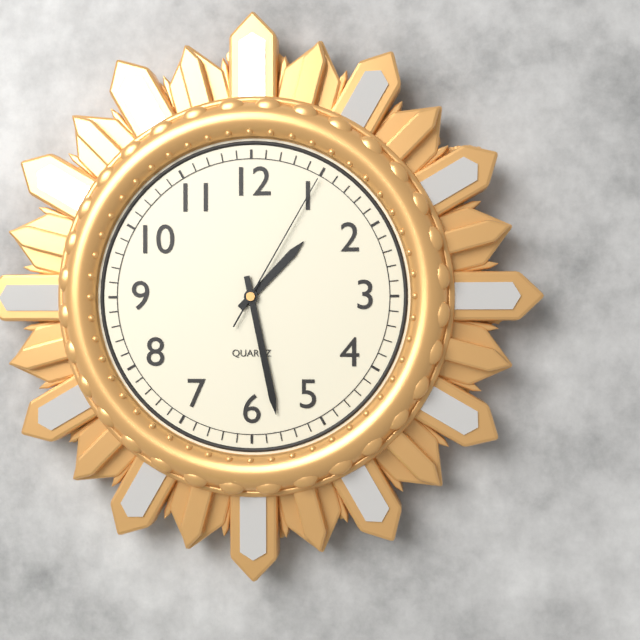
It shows 1h28m05s
